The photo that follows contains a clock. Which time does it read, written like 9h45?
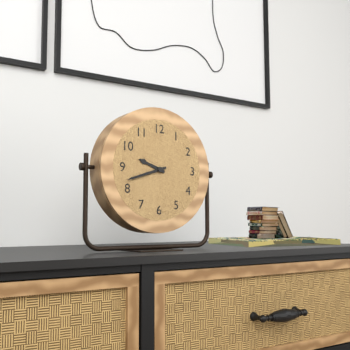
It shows 9h42
